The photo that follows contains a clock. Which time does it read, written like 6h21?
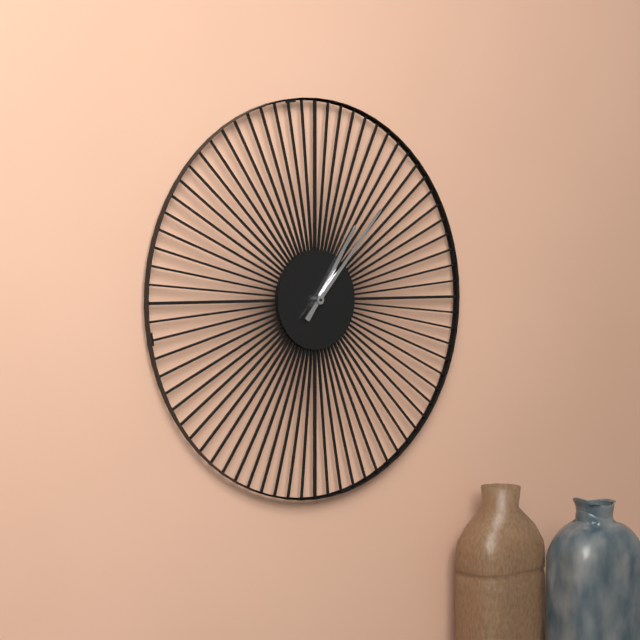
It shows 1h07
